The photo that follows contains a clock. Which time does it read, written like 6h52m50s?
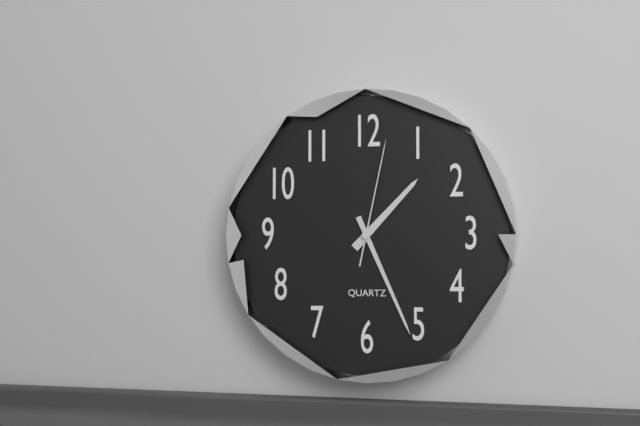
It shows 1h26m02s
